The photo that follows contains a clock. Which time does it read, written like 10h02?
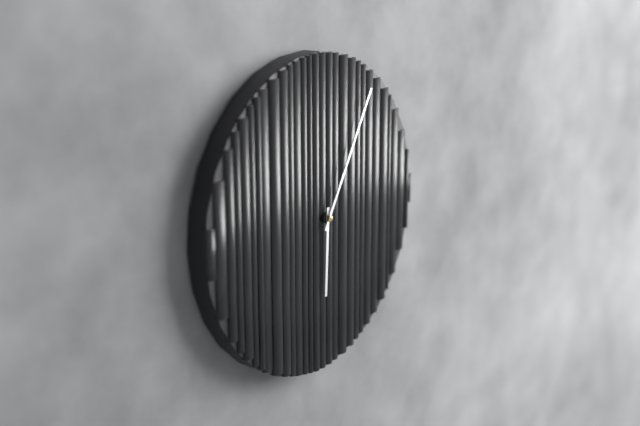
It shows 6h05
